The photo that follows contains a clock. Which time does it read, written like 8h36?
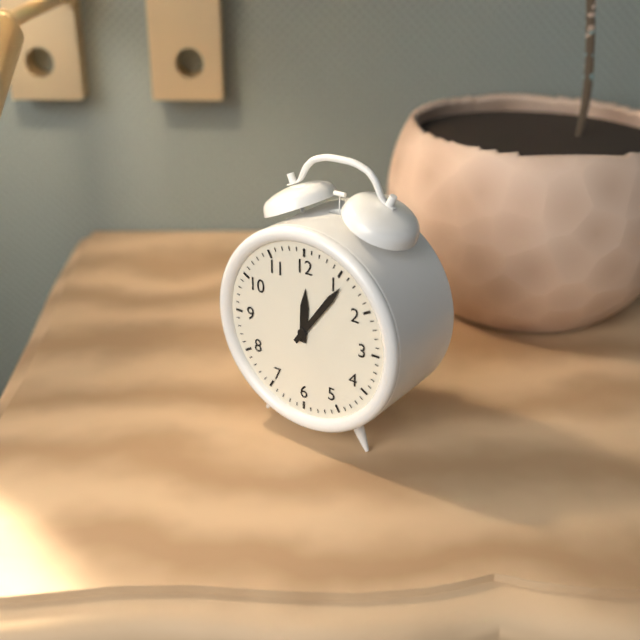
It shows 12h06
